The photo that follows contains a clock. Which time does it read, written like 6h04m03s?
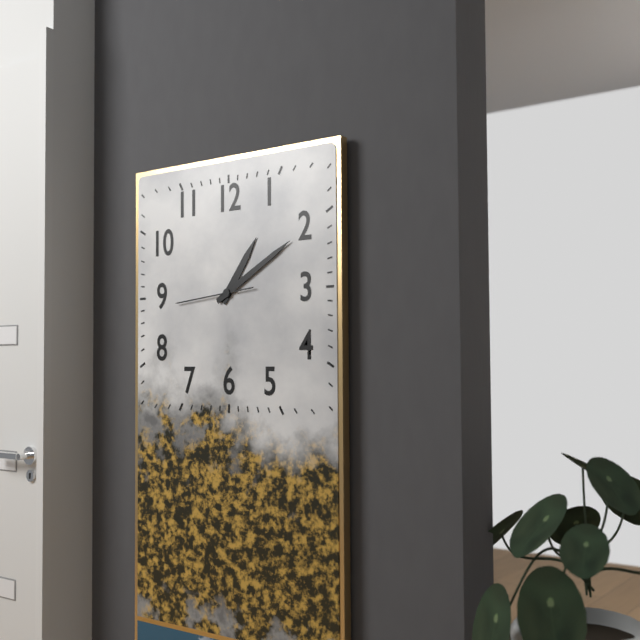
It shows 1h10m44s
